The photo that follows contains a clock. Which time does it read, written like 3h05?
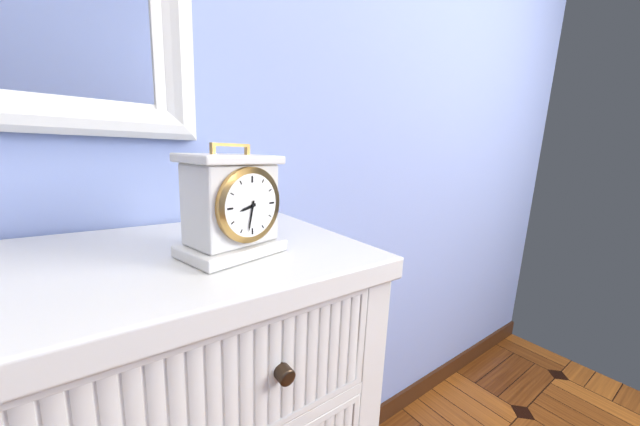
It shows 8h32
